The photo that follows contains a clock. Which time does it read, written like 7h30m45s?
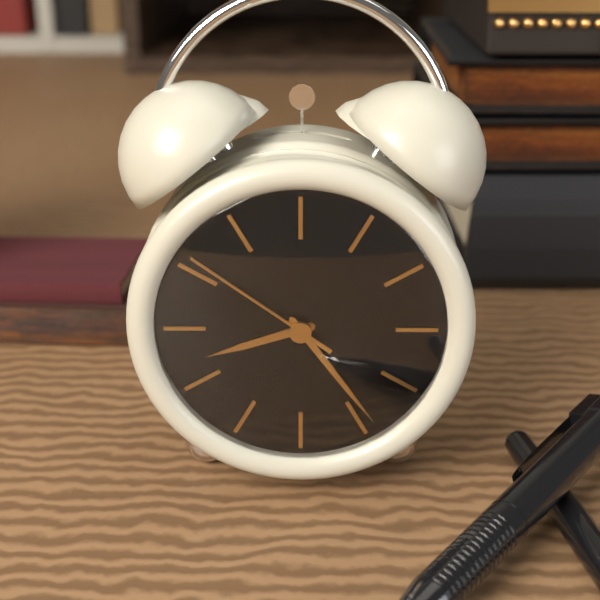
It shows 8h24m51s
